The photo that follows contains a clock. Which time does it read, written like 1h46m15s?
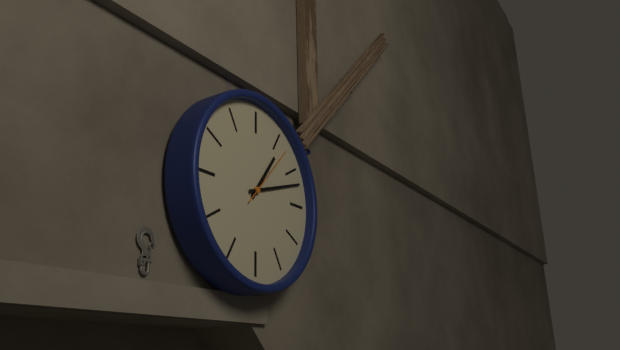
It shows 1h12m07s
